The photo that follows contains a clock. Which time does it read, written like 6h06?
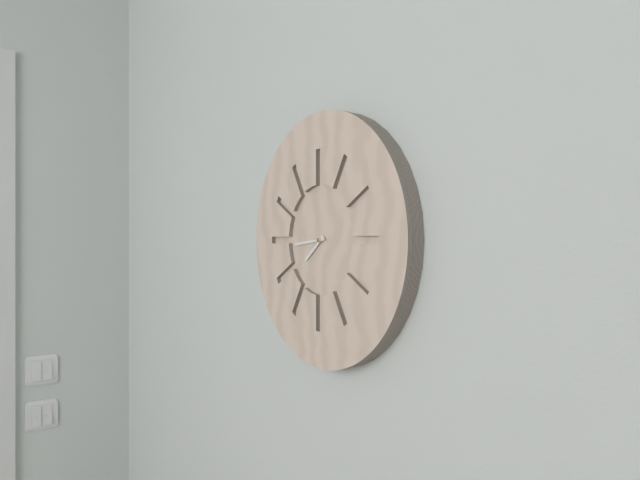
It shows 7h44
